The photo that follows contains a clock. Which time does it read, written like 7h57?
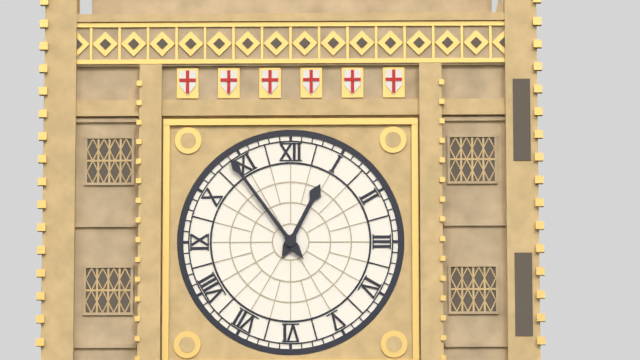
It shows 12h54
